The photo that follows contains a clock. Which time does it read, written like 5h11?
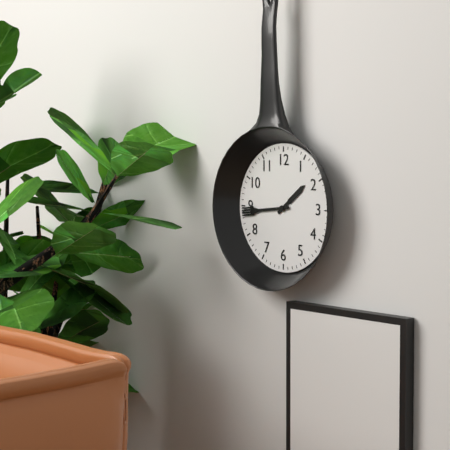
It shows 1h44
